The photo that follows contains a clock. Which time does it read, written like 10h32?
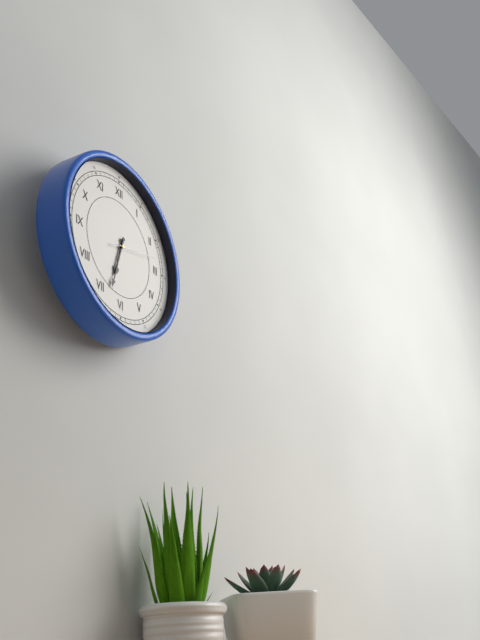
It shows 6h33
